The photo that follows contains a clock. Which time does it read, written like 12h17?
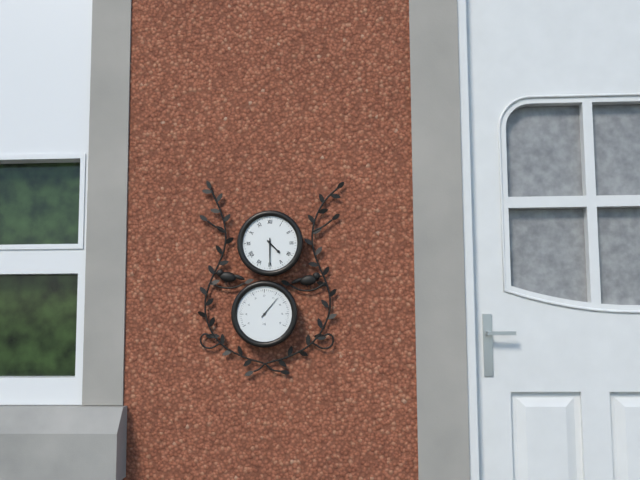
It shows 4h30
